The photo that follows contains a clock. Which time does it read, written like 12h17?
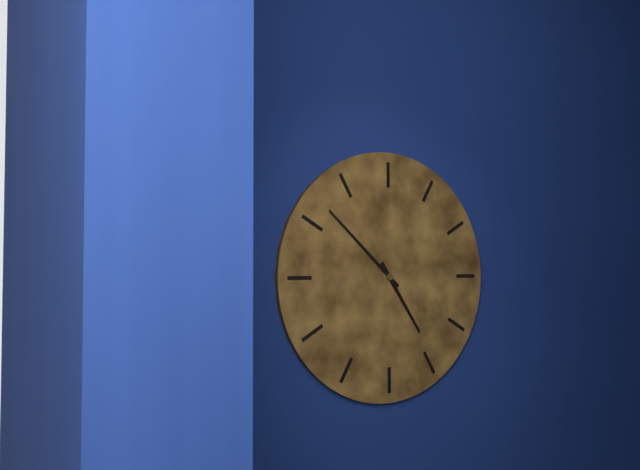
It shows 4h52
